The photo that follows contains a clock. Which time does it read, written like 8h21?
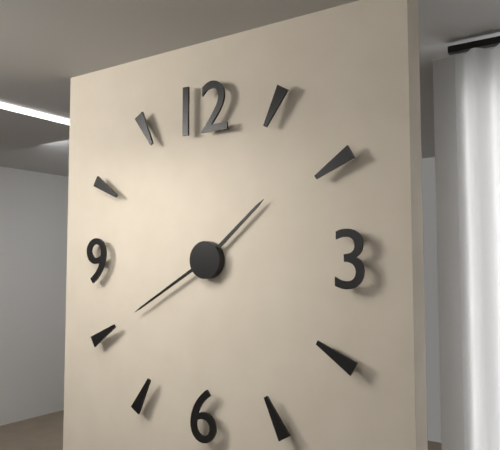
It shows 1h40
